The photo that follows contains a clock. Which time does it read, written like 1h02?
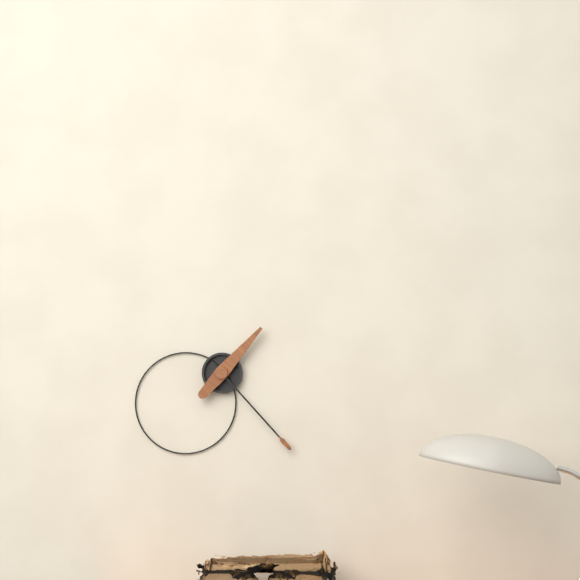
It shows 1h23
